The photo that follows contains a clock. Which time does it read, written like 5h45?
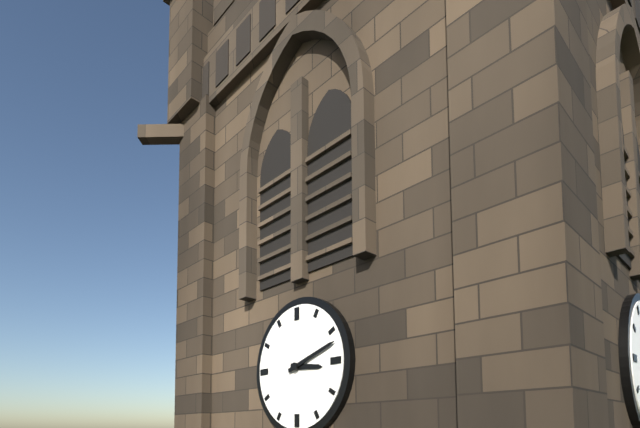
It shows 3h12
